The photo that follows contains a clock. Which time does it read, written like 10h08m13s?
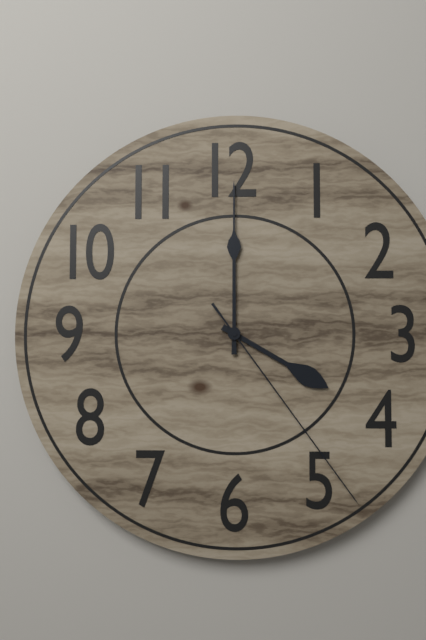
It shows 4h00m24s
